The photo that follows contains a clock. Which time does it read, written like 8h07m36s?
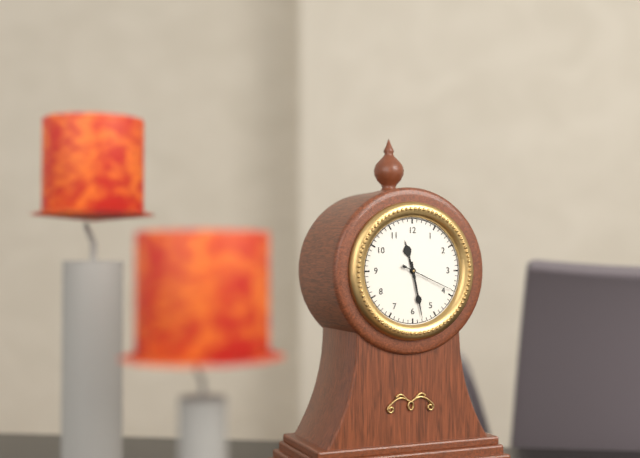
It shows 11h28m19s
